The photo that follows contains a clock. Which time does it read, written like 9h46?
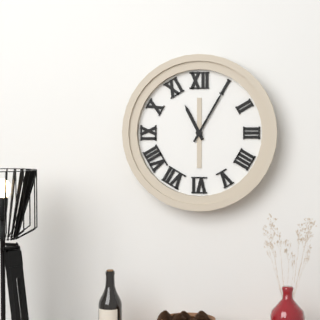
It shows 11h05
